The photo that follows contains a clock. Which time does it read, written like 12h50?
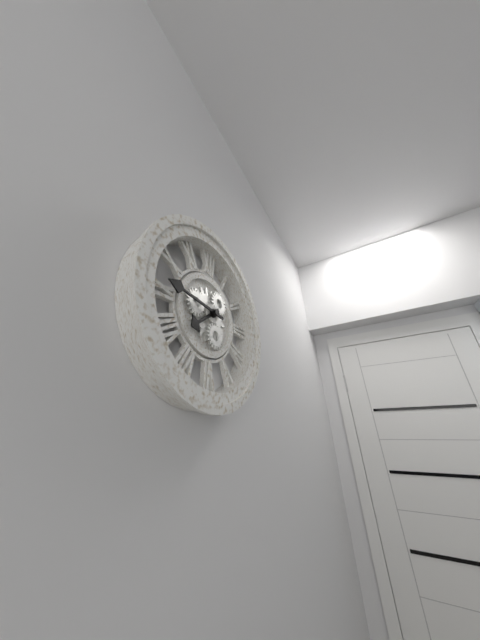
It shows 7h46
